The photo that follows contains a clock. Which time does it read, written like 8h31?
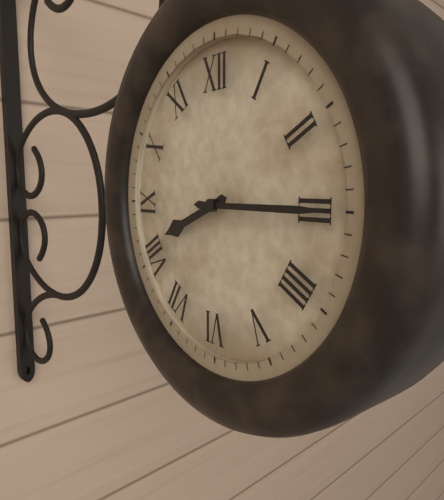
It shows 8h15
